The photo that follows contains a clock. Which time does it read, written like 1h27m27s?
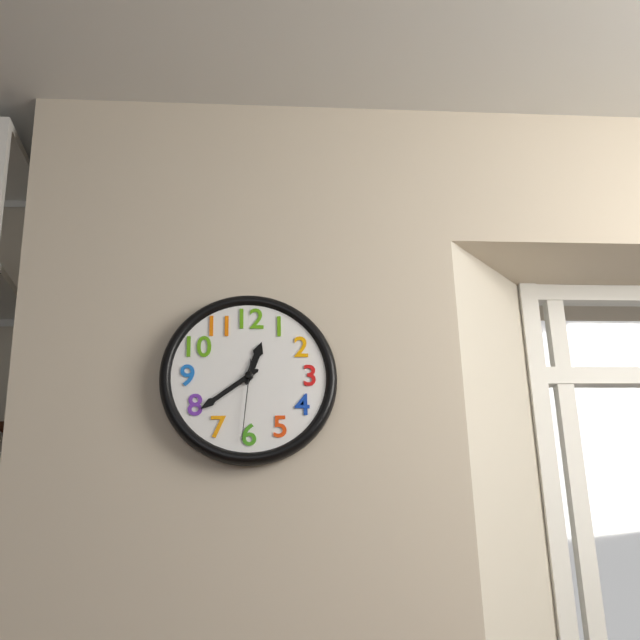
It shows 12h39m31s
